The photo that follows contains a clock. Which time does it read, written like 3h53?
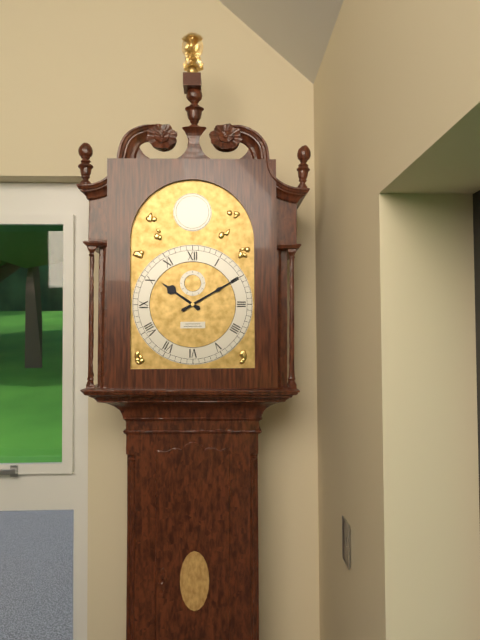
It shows 10h10
